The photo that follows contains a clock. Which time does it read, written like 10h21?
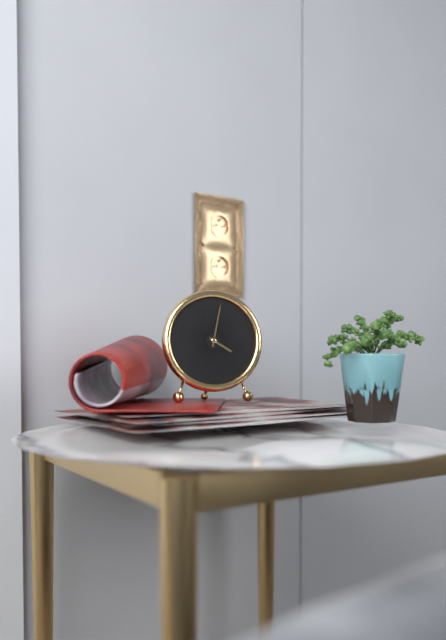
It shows 4h02
